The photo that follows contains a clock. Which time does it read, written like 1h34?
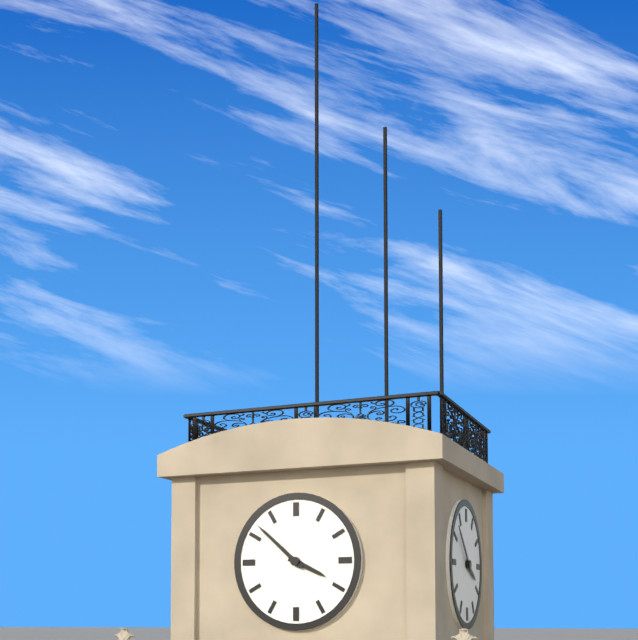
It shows 3h52
